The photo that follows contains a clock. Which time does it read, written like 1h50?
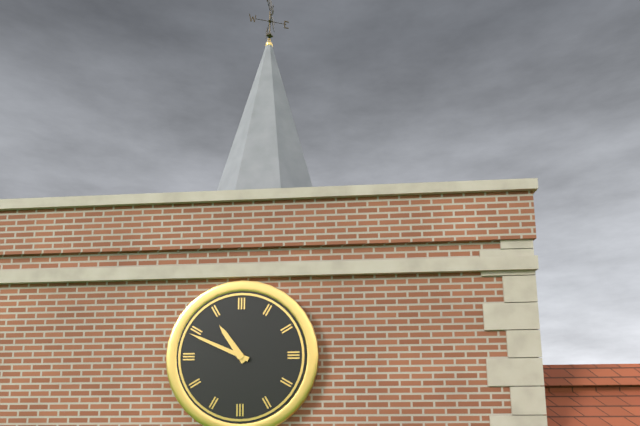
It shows 10h49
